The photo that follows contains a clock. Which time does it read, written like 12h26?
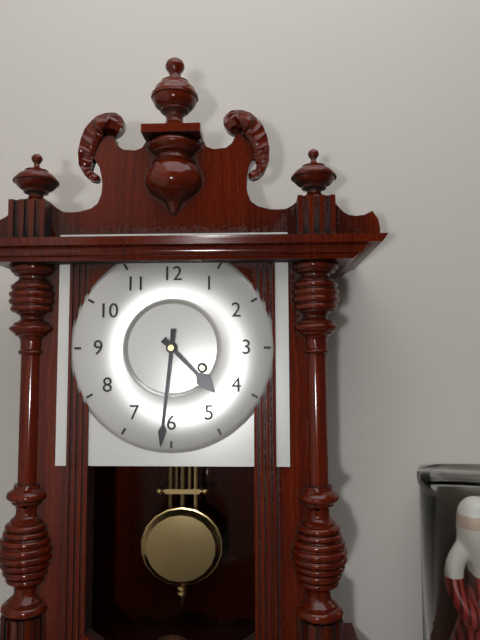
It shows 4h31
